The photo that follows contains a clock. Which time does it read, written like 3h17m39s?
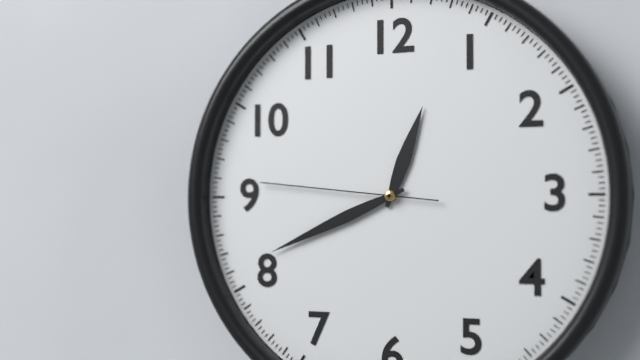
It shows 12h41m46s
